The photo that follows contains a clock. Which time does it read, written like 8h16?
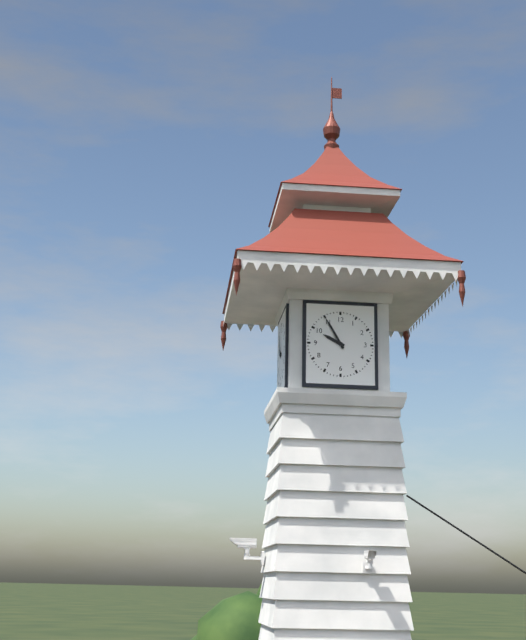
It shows 9h55
